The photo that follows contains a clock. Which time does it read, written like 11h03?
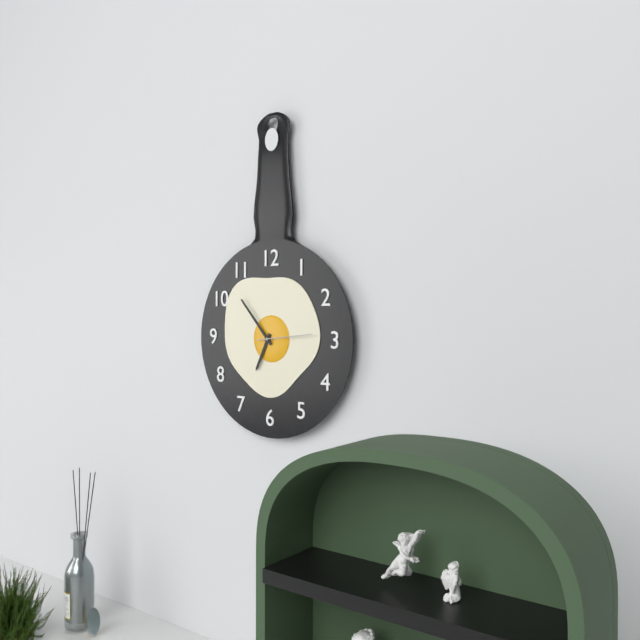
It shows 6h53
